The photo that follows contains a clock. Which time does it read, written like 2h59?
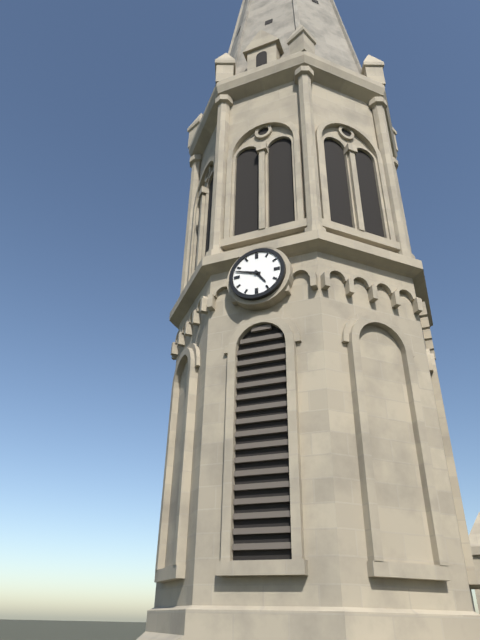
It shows 4h48
